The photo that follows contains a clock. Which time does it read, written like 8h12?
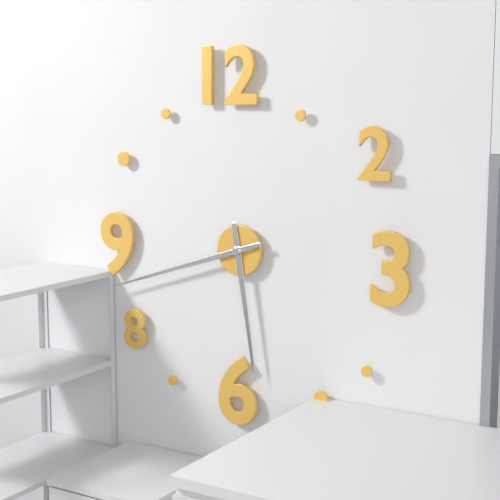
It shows 5h42
